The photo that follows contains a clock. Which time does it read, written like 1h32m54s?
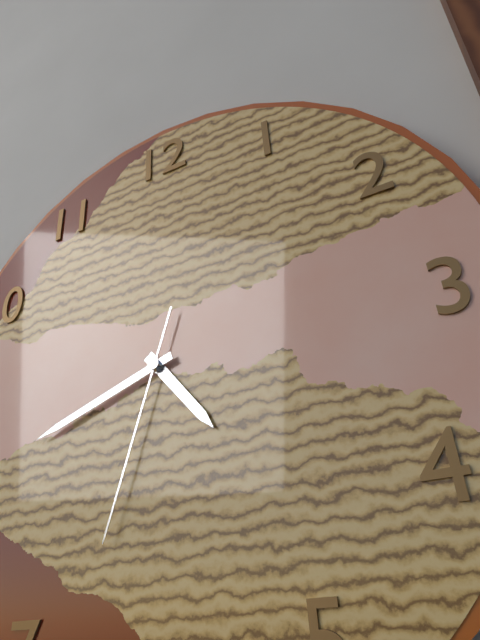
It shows 4h42m33s
